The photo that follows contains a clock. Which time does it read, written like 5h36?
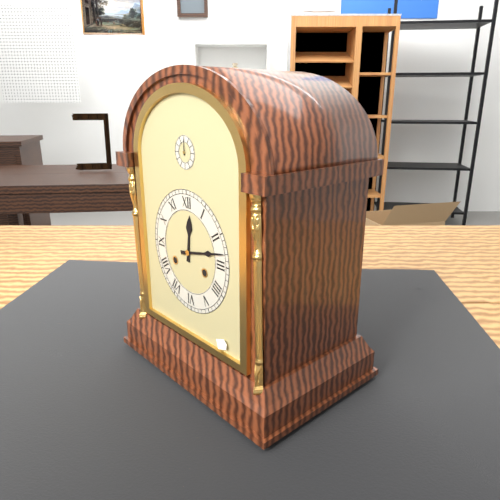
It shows 12h13
